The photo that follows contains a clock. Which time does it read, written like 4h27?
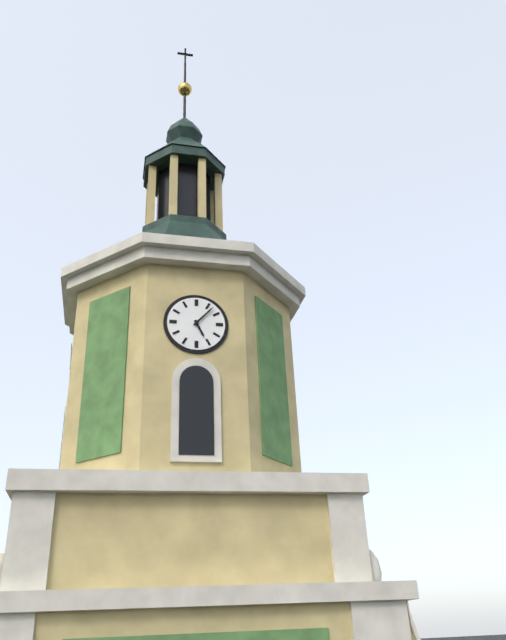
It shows 5h07
